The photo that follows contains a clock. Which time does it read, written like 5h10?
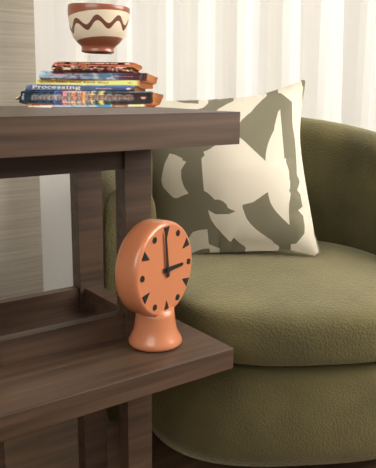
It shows 2h59
